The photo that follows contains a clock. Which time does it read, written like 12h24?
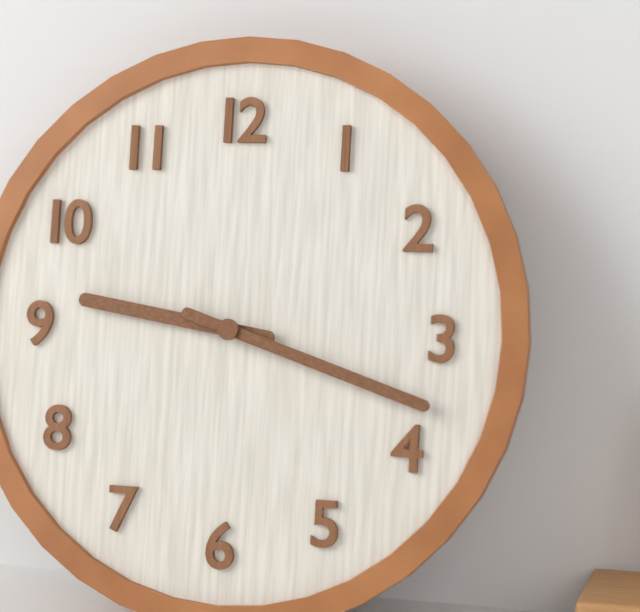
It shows 9h18
